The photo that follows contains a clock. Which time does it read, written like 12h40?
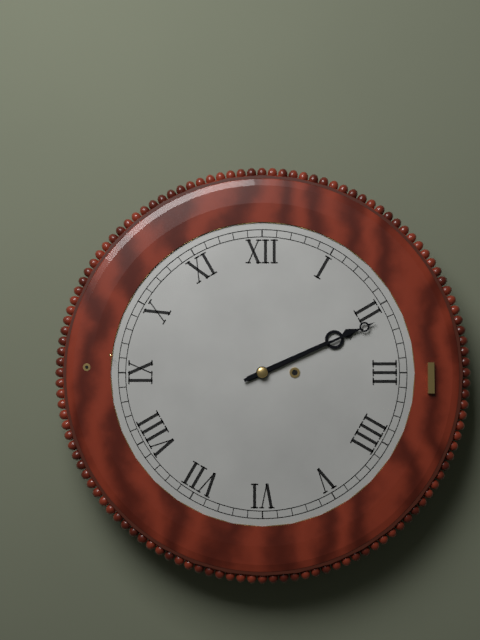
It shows 2h11
